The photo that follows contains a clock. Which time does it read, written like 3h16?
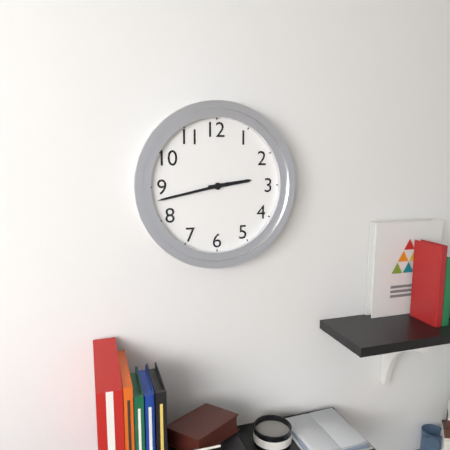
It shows 2h43
